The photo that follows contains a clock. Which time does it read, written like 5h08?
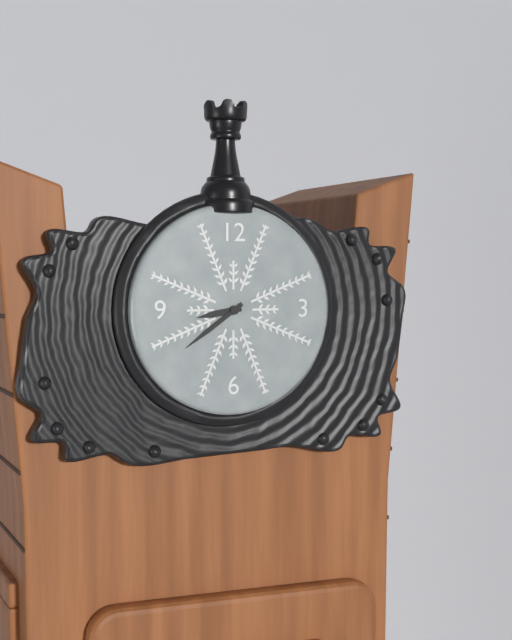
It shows 8h39
